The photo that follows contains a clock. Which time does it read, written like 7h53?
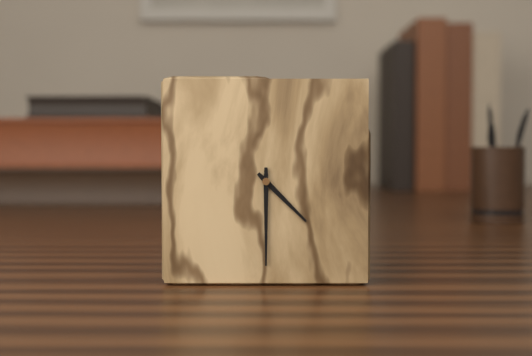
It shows 4h30
